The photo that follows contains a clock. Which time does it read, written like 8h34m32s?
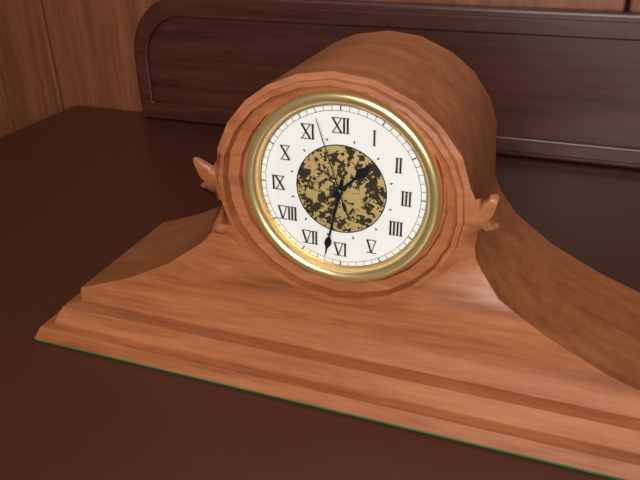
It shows 1h32m57s
